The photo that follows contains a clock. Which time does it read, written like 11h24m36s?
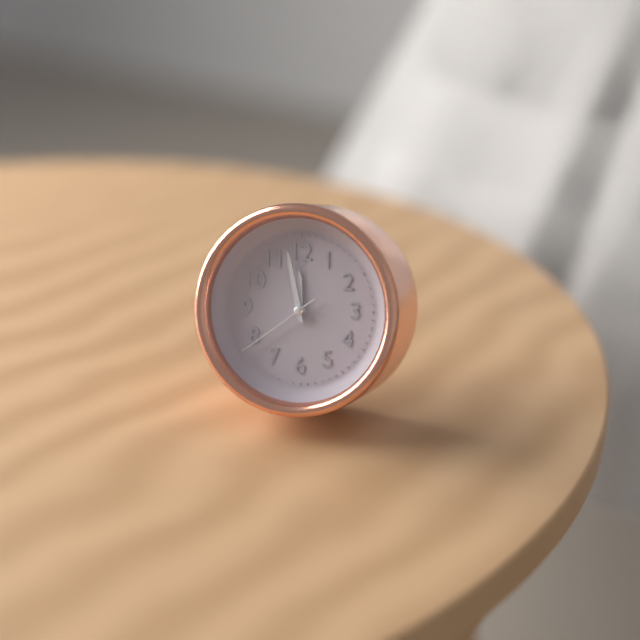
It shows 11h58m39s
